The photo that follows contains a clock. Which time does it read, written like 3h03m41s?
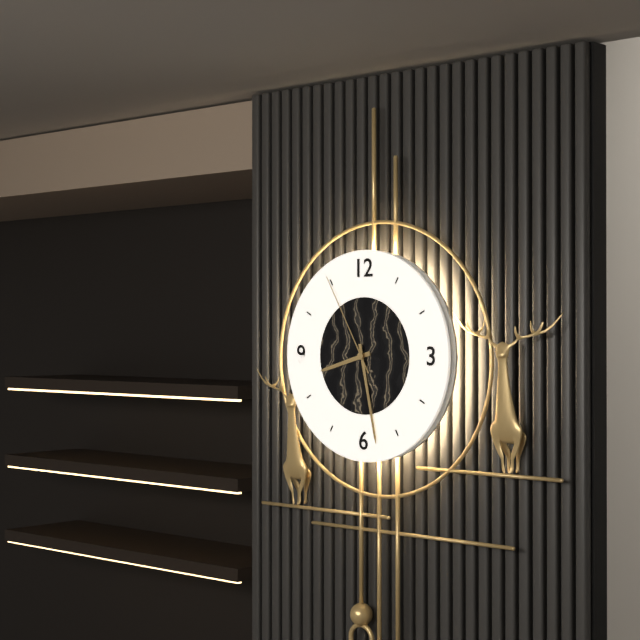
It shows 8h28m55s
